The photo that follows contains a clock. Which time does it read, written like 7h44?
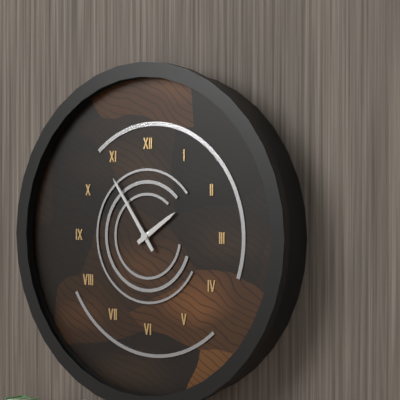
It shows 1h54
